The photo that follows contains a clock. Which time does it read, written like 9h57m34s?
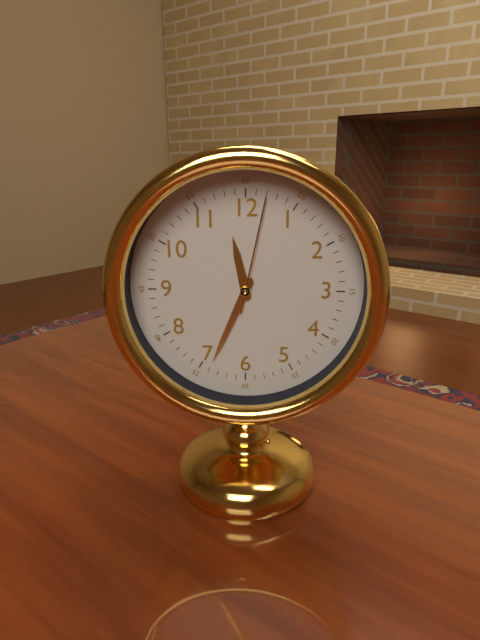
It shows 11h34m02s
